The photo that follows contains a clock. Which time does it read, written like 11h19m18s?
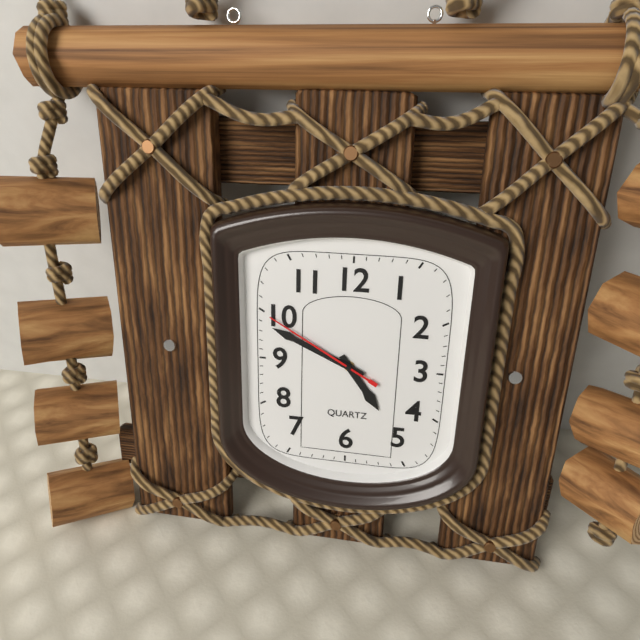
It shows 4h49m50s
